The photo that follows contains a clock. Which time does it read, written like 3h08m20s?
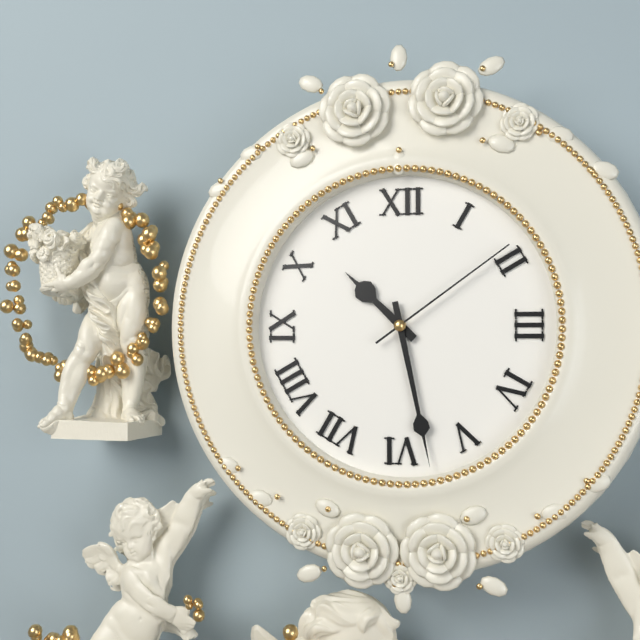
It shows 10h28m09s
